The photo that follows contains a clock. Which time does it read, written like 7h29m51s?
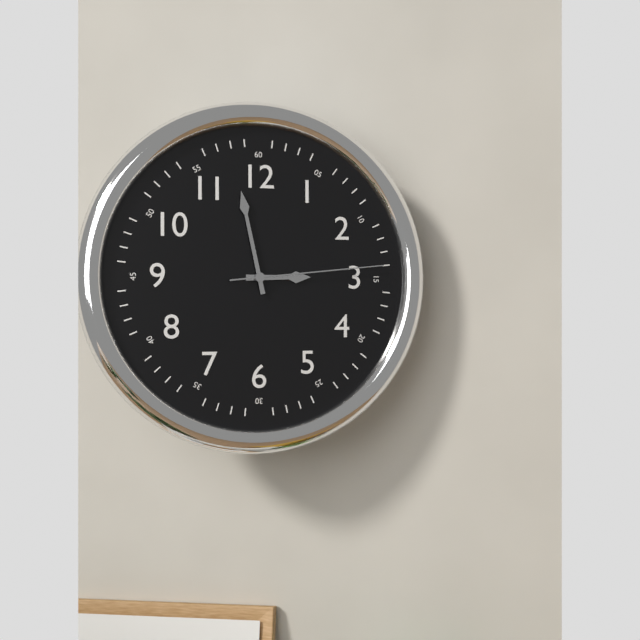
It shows 2h58m14s
